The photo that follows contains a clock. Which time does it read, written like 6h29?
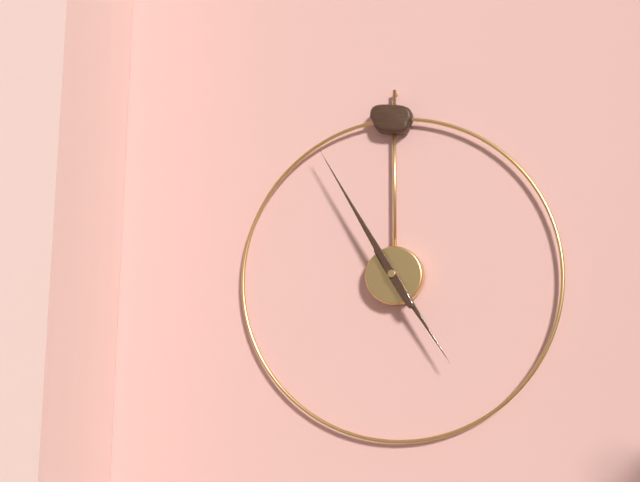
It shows 4h55
